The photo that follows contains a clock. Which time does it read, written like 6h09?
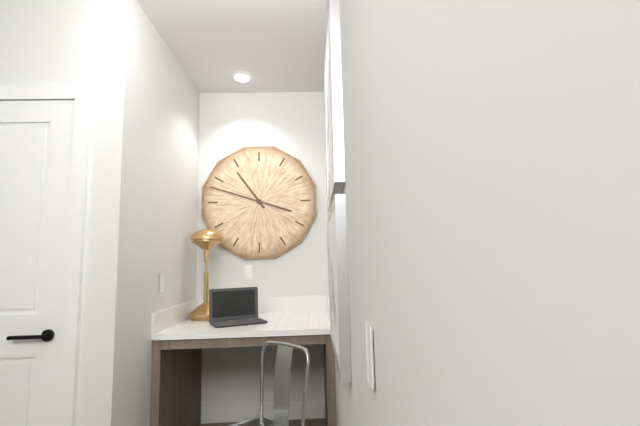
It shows 10h48
